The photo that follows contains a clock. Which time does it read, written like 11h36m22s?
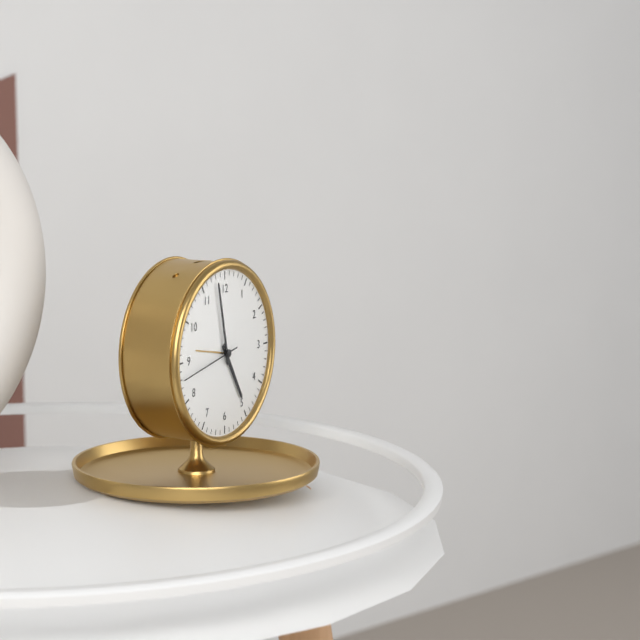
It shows 4h58m43s
